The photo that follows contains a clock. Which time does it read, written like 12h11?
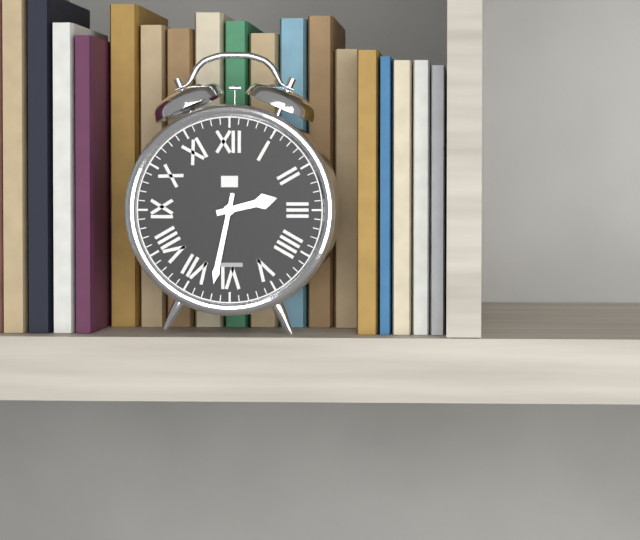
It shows 2h32
